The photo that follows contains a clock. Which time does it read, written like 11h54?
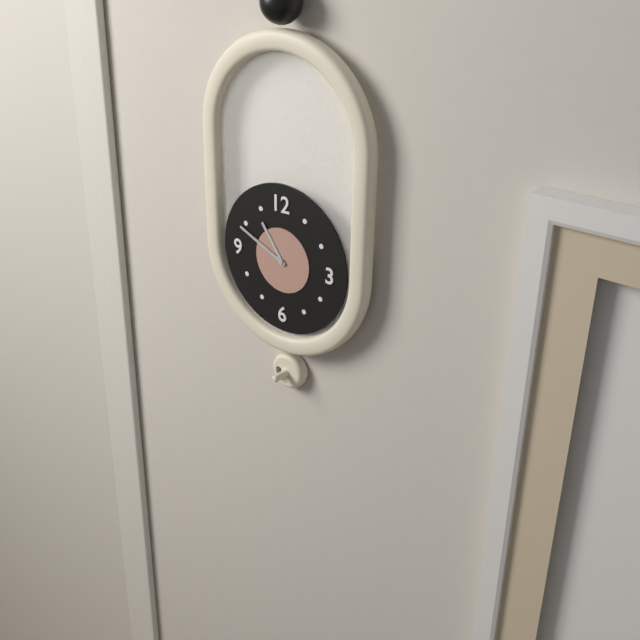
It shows 10h49
